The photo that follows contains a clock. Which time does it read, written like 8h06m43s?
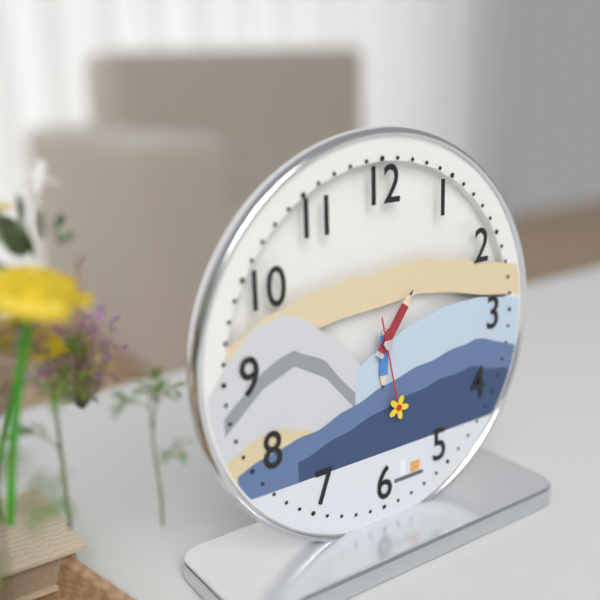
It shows 6h06m28s
